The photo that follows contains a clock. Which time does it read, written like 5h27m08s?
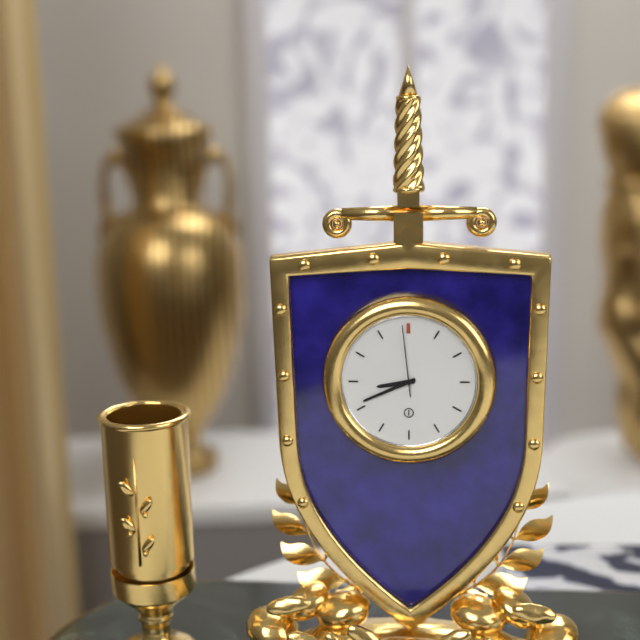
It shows 8h41m59s
